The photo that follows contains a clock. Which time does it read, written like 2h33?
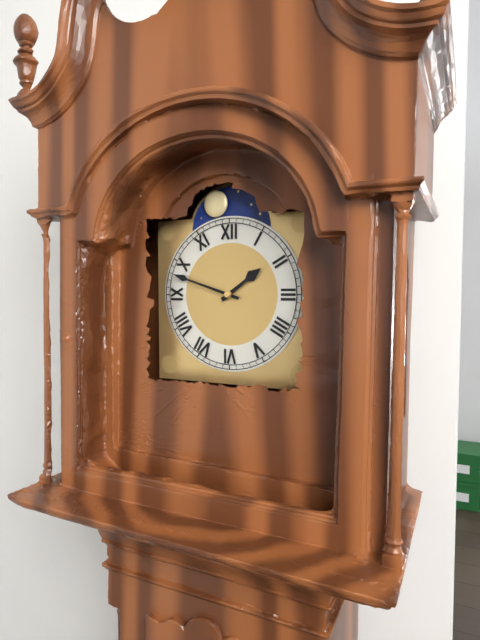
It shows 1h48
